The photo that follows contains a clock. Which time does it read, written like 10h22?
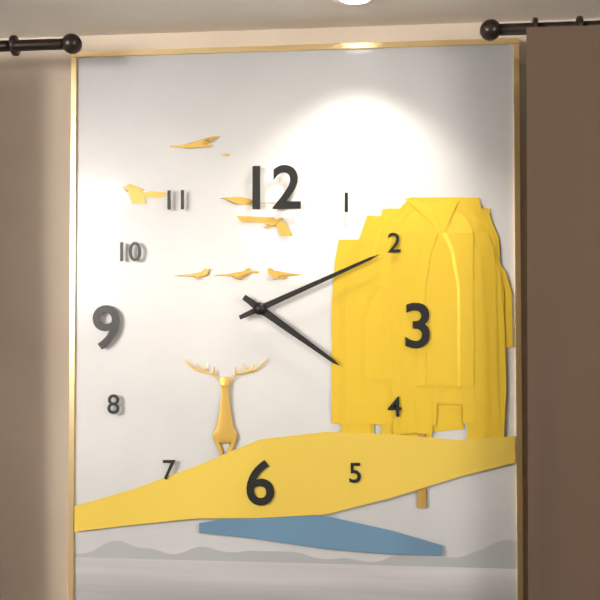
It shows 4h11
